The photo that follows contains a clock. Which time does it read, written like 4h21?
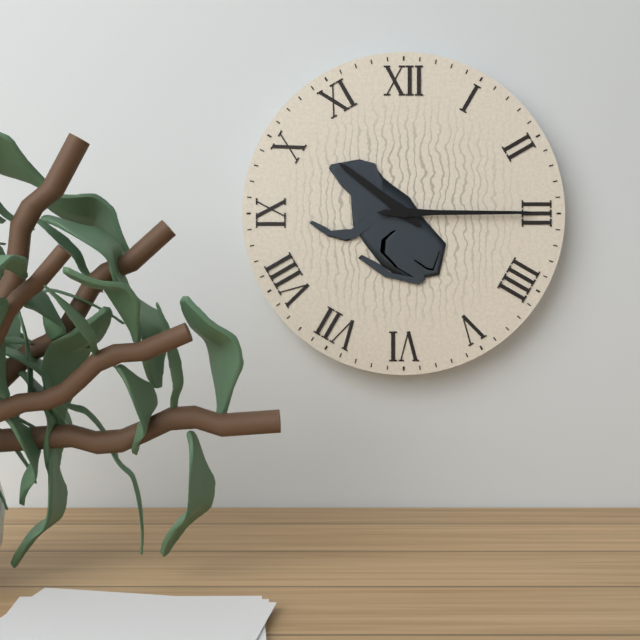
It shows 10h15
